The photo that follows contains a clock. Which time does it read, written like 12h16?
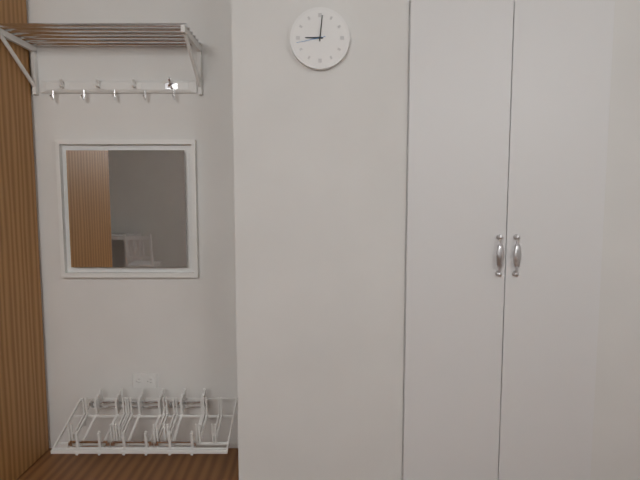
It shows 9h01
